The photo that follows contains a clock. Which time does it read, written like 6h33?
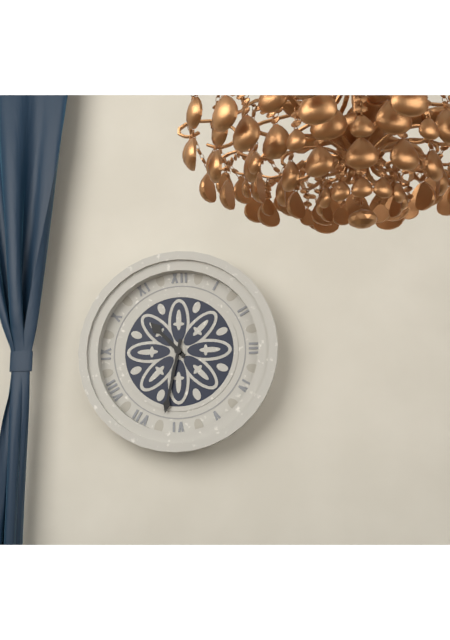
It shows 10h32
